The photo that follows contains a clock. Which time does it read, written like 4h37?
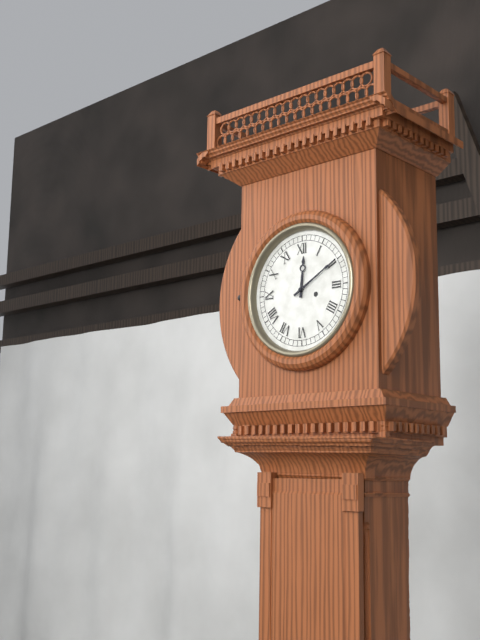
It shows 12h10
